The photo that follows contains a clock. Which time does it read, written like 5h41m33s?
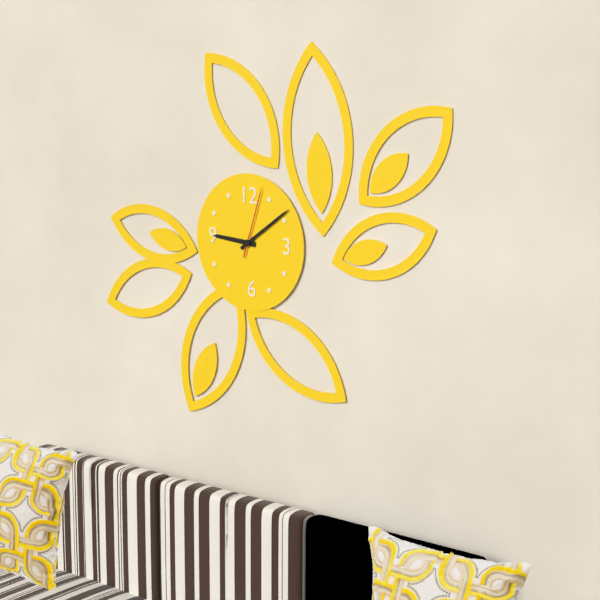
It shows 9h09m03s
